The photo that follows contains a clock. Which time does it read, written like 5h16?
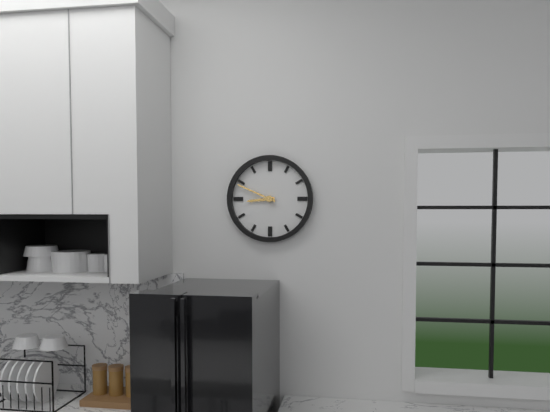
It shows 8h49
